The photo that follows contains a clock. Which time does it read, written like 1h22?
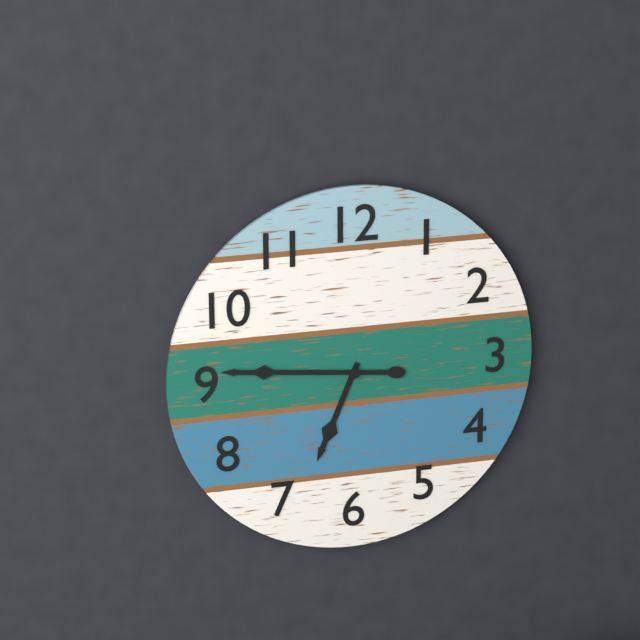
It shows 6h46
